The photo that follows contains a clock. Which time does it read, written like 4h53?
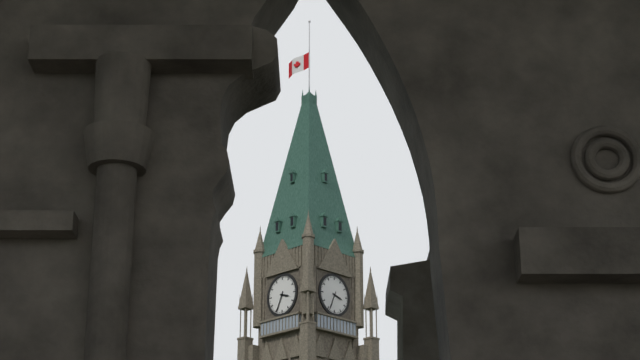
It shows 3h34
